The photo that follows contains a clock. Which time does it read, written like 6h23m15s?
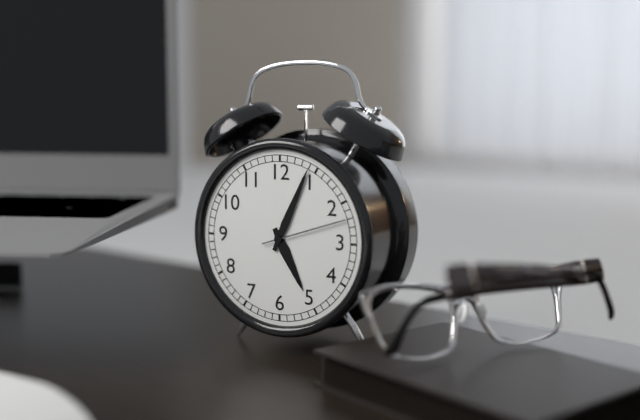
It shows 5h04m12s
